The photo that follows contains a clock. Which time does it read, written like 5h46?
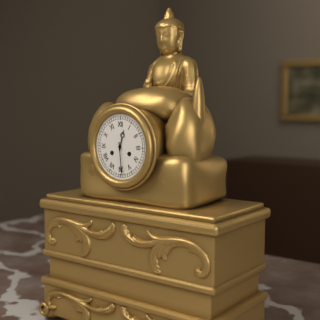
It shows 12h29
